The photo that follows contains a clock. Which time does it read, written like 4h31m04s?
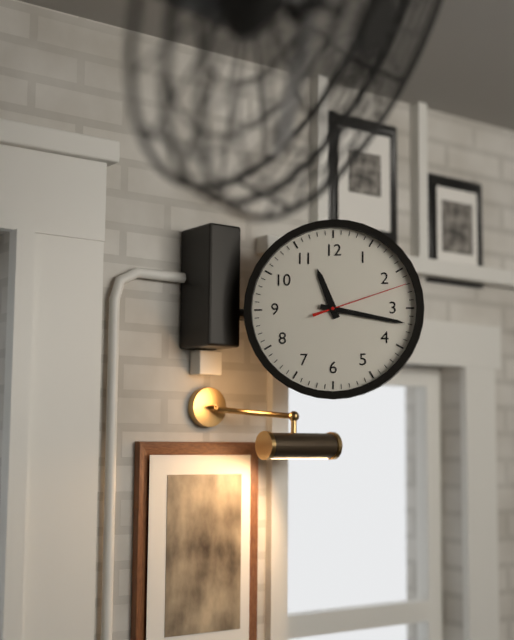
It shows 11h17m12s
